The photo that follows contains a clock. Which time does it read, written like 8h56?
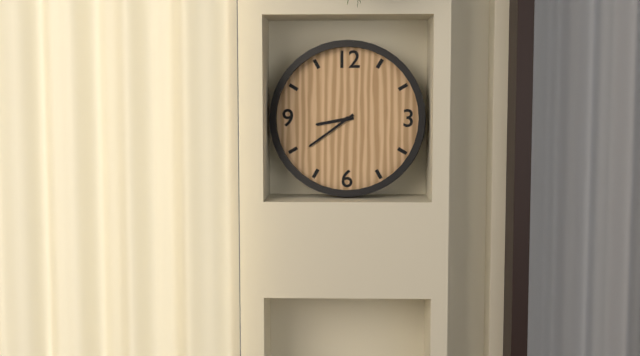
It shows 8h39
